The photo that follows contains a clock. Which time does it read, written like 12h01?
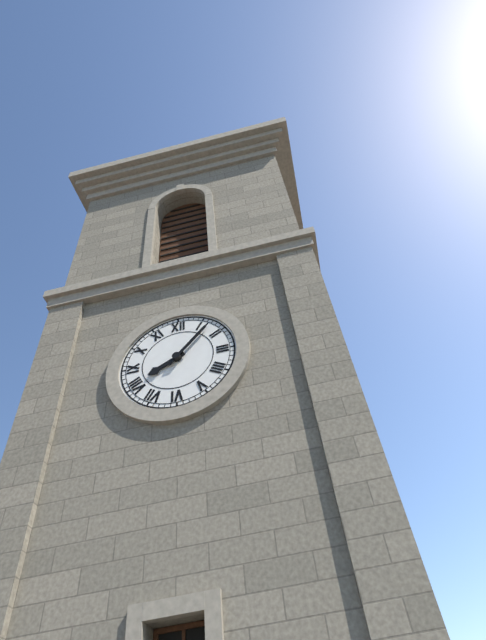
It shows 8h07
